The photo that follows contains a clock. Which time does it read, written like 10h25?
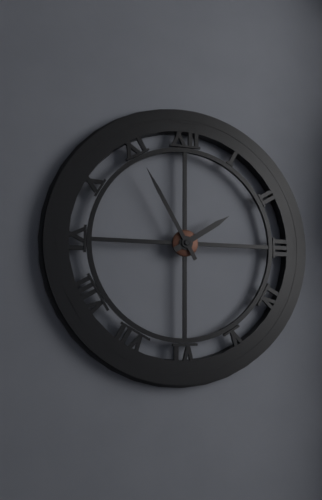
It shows 1h55
